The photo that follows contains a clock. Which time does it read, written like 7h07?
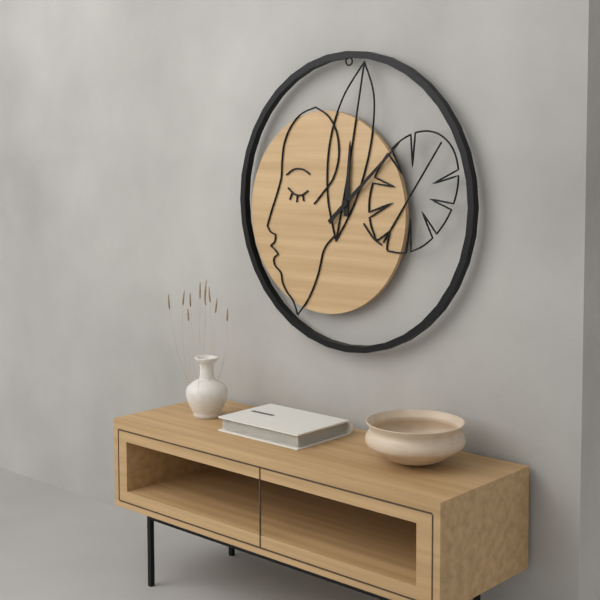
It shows 12h08
